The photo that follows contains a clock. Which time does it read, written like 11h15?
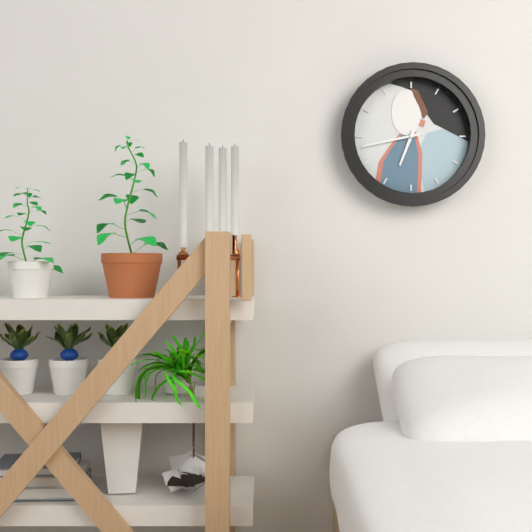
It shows 6h43
